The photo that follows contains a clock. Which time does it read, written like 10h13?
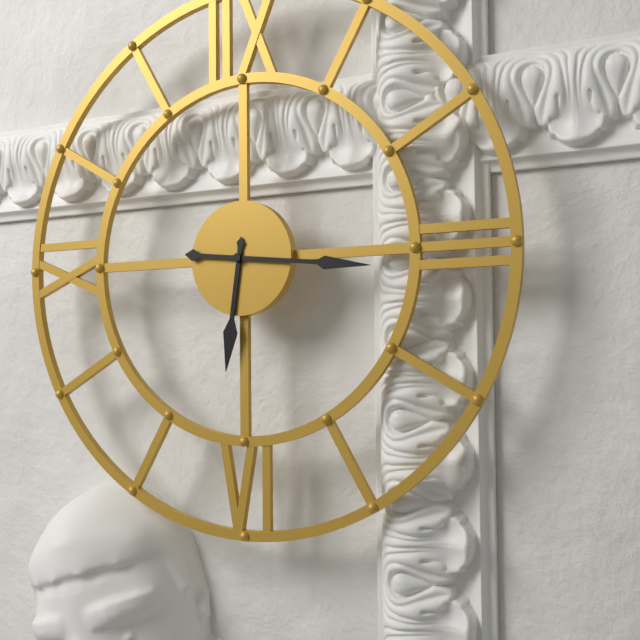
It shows 6h16
